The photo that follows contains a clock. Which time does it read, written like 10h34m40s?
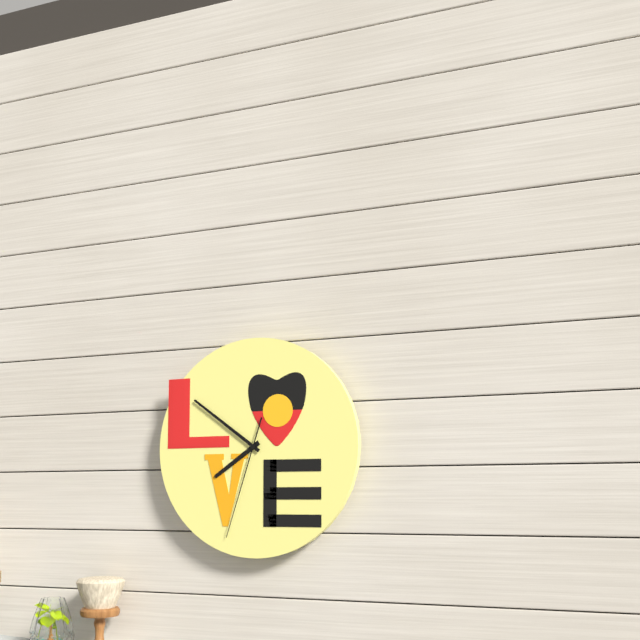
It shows 7h51m33s
